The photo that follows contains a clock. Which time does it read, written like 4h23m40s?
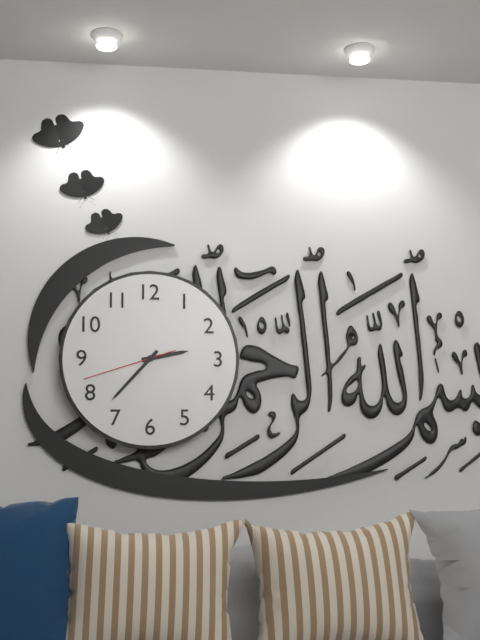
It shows 2h37m42s
